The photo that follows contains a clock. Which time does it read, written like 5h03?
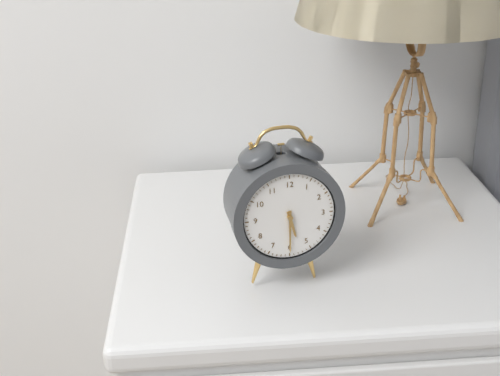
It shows 5h30
